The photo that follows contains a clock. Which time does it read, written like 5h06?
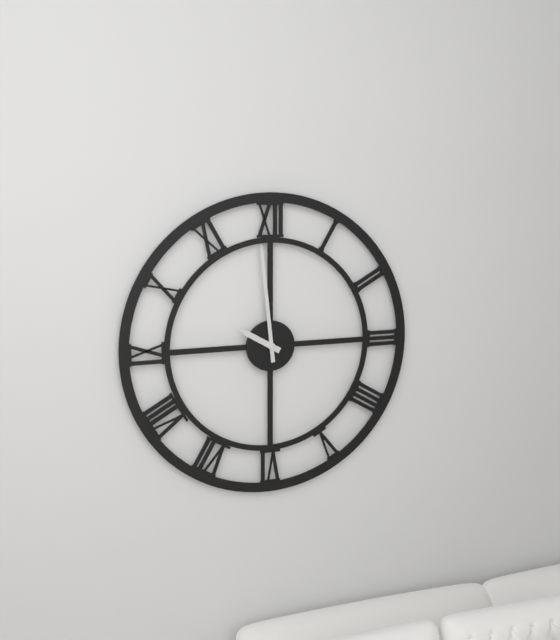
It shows 9h59
